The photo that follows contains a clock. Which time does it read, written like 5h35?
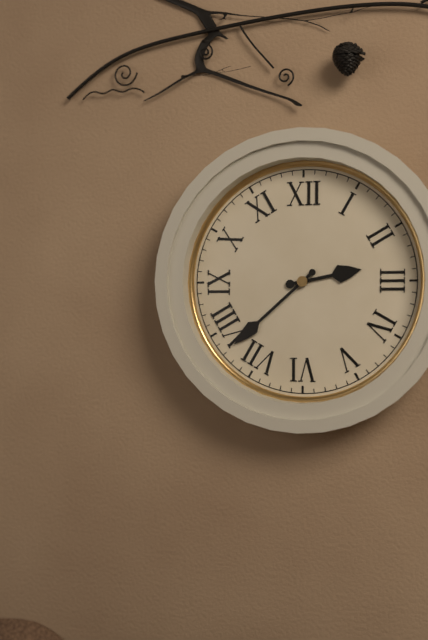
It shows 2h38
